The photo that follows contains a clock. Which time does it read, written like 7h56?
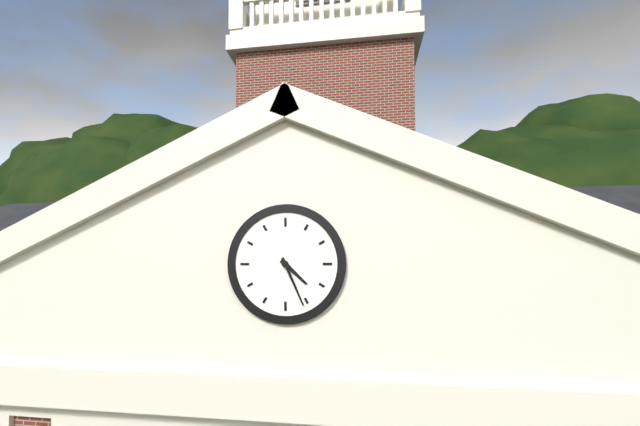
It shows 4h26
